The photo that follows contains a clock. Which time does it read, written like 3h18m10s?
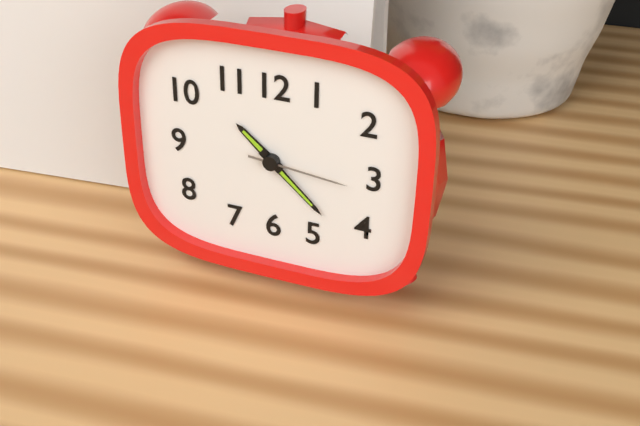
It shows 10h22m16s
